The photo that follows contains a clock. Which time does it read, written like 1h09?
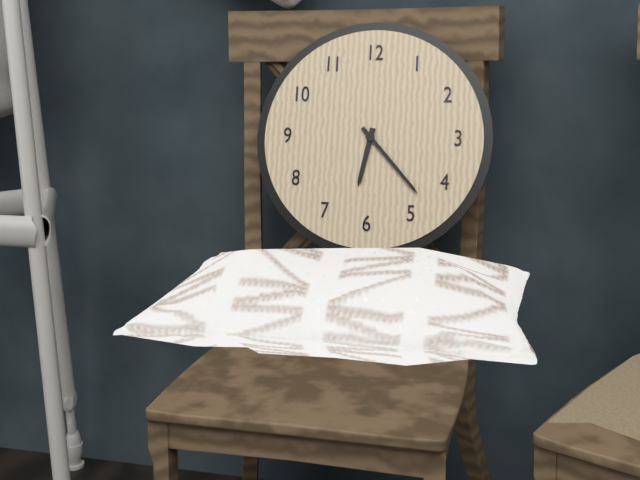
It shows 6h23
